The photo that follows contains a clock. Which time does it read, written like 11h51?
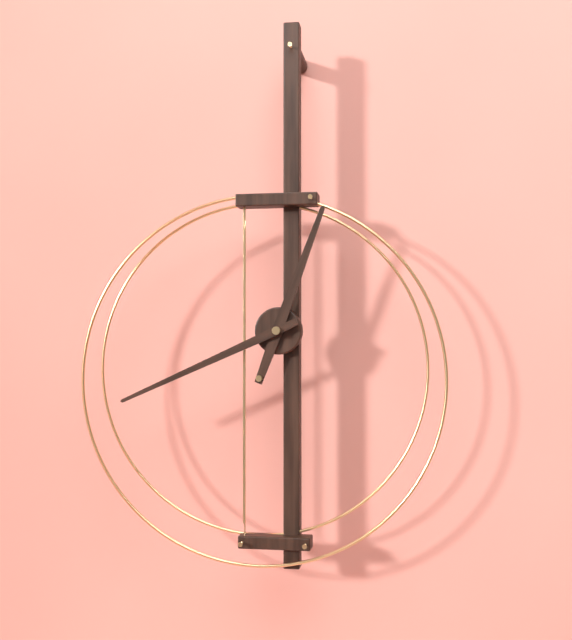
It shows 12h41
